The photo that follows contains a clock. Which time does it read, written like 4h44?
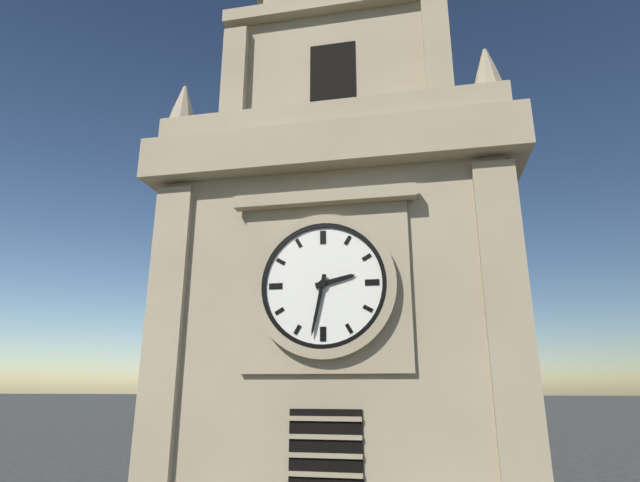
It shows 2h32
